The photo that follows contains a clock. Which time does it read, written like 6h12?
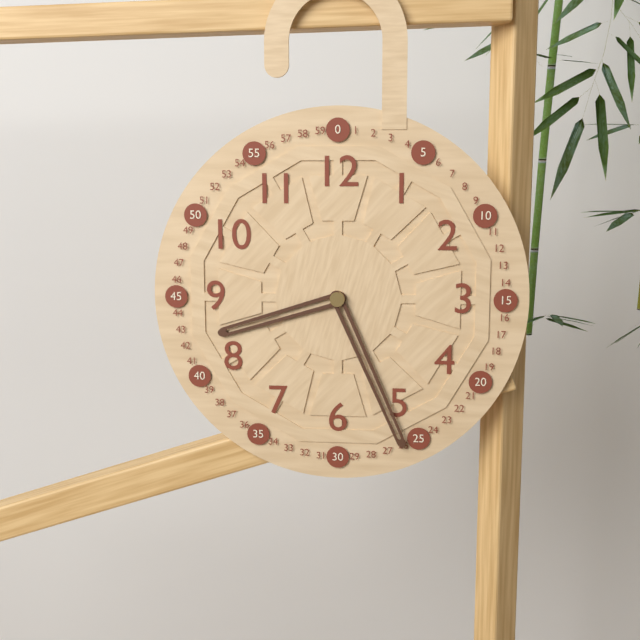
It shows 8h26
